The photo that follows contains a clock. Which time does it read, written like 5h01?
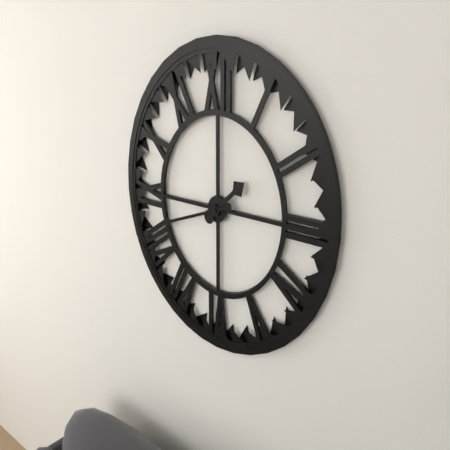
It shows 1h42
